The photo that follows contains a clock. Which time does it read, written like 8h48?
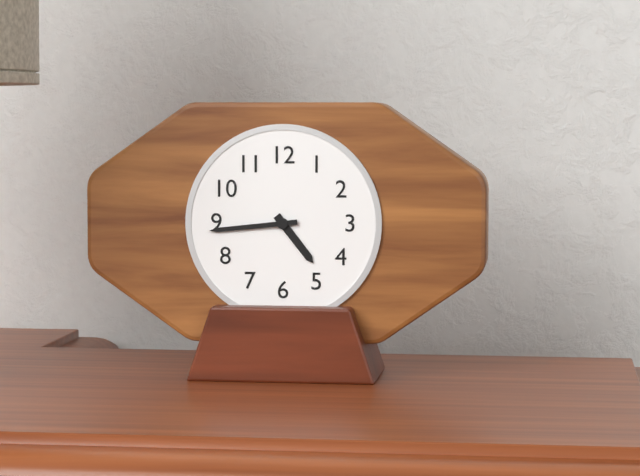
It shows 4h44
